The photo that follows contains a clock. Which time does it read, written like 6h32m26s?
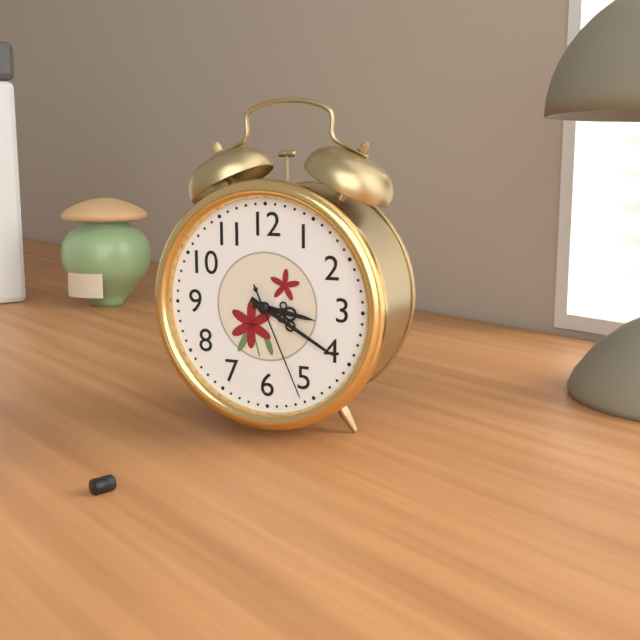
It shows 3h20m26s
